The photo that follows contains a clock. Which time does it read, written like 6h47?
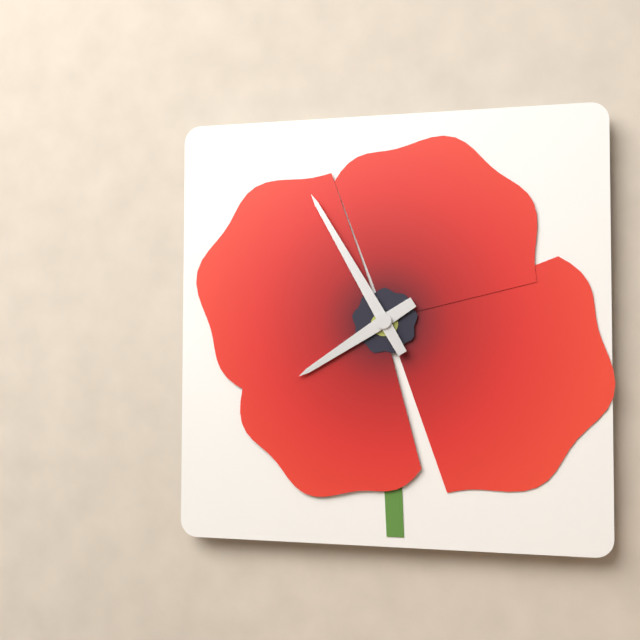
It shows 7h55
